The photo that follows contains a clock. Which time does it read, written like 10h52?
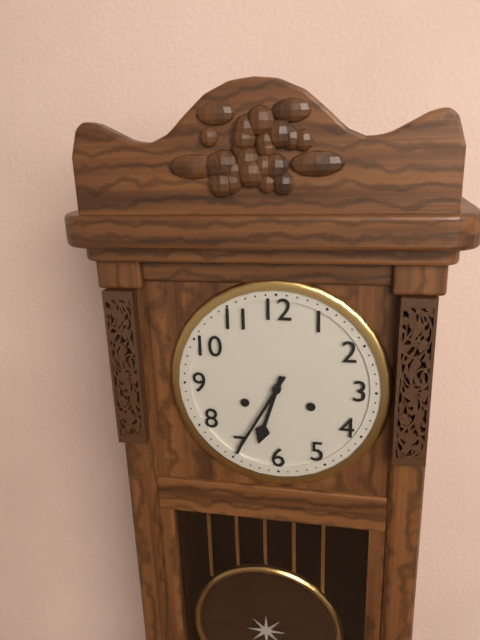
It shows 6h35
